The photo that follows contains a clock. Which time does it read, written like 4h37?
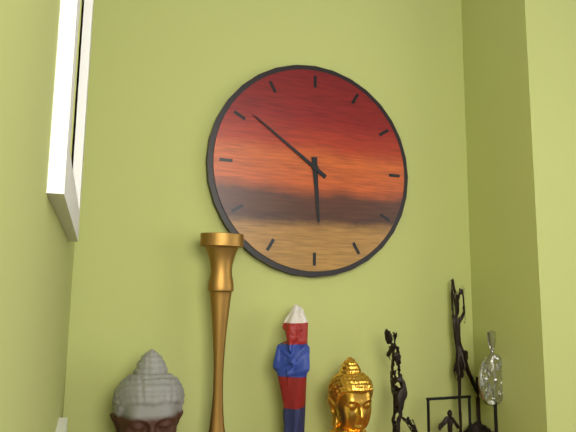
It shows 5h51
